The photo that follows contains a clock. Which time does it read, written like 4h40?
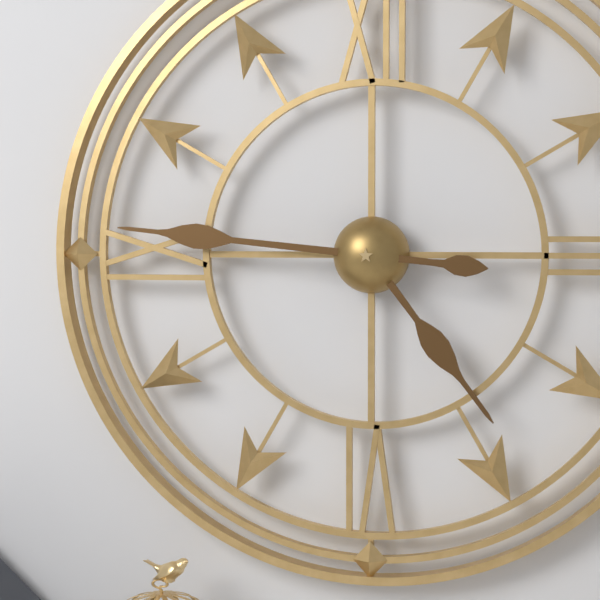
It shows 4h46
